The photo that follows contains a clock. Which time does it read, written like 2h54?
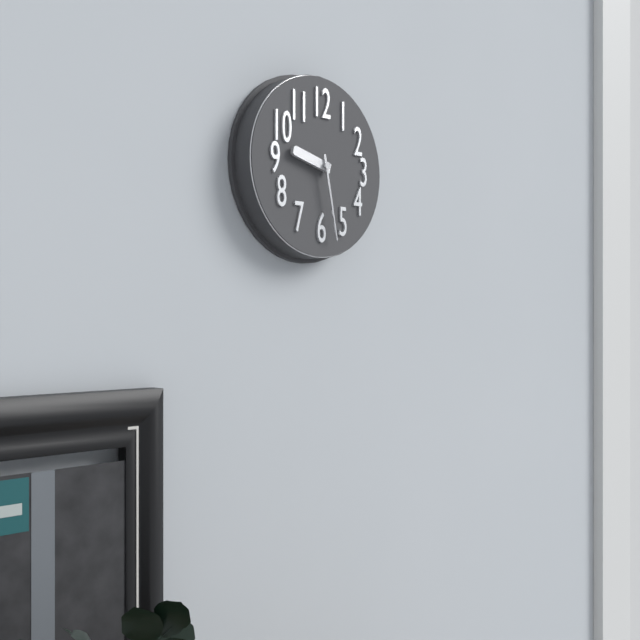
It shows 9h28
